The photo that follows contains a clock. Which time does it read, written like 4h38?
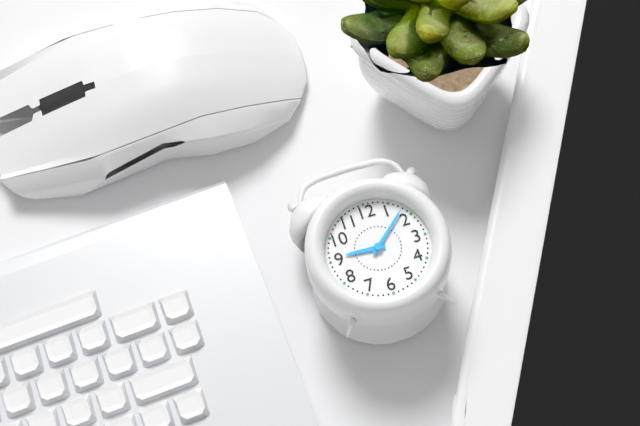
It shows 9h08
